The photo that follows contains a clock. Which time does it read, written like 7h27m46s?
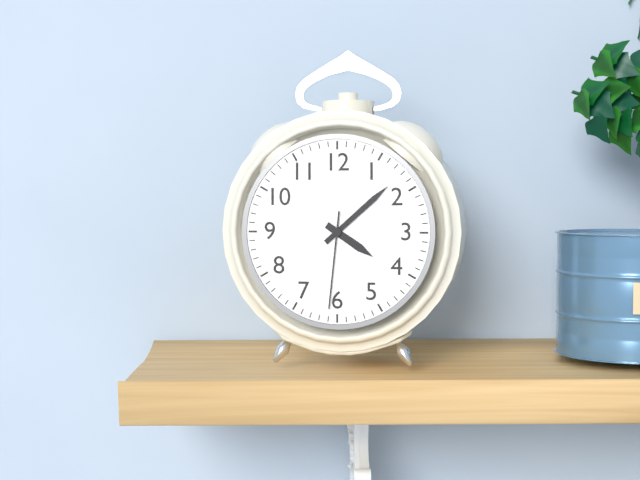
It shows 4h08m31s
